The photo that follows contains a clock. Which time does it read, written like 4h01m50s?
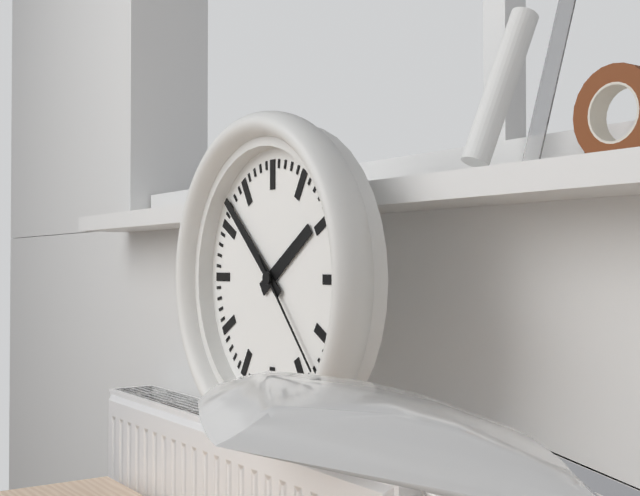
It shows 1h52m23s
